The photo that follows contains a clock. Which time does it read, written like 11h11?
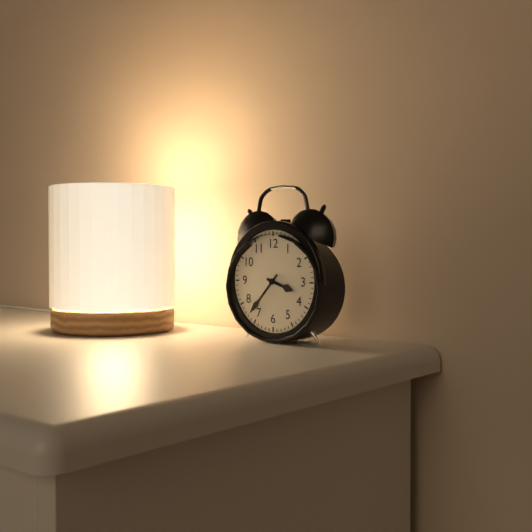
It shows 3h37
